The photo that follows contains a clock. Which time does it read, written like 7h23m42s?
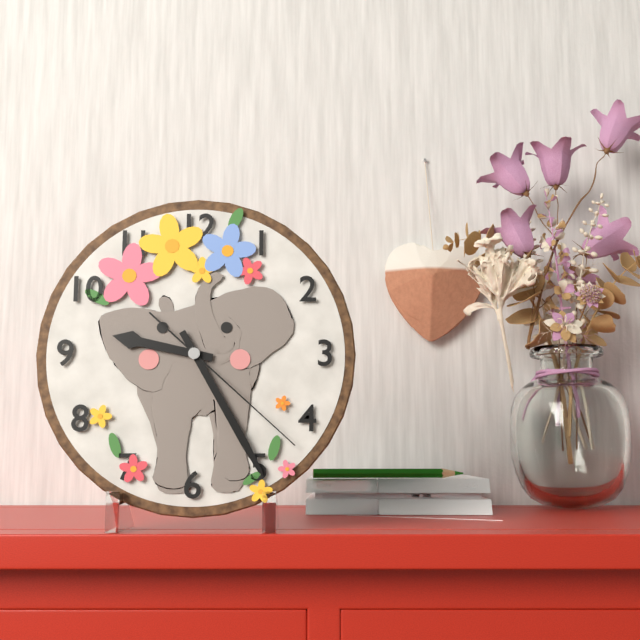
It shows 9h25m22s
